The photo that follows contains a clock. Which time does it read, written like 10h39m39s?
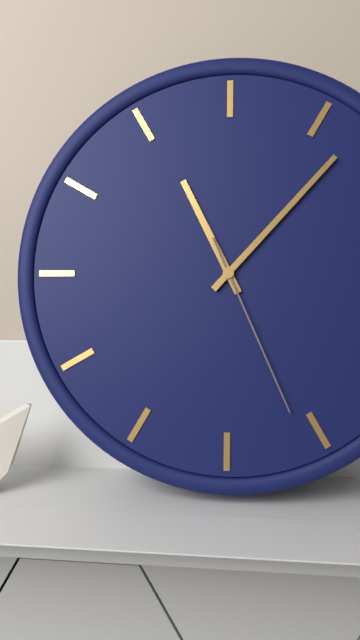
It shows 11h07m26s
